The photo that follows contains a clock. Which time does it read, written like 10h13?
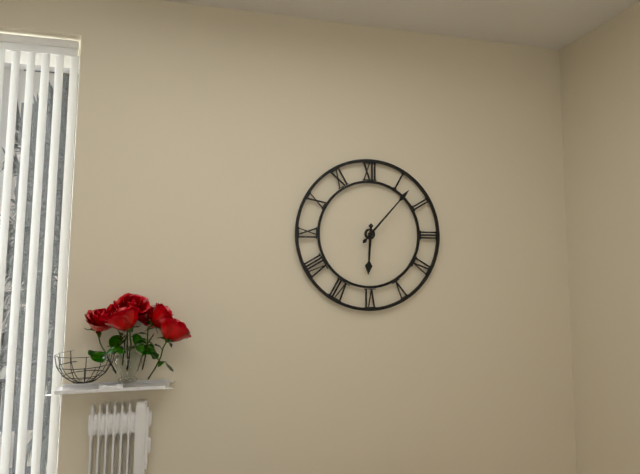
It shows 6h07
